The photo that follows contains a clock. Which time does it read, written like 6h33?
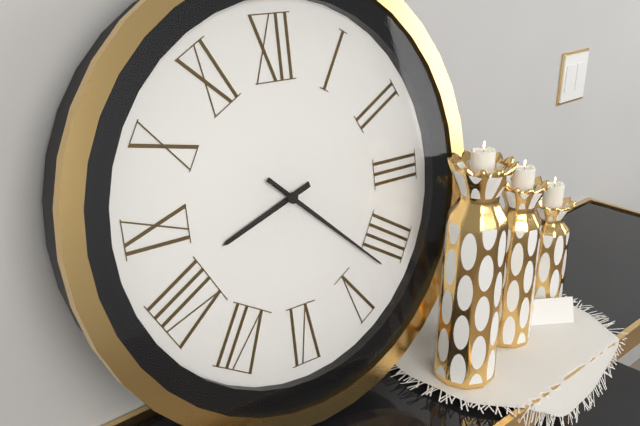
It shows 8h22
